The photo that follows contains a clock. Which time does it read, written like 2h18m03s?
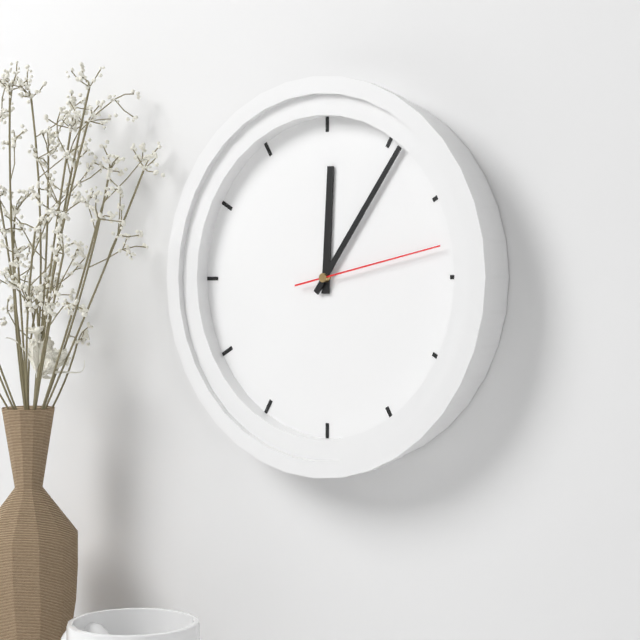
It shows 12h06m13s
